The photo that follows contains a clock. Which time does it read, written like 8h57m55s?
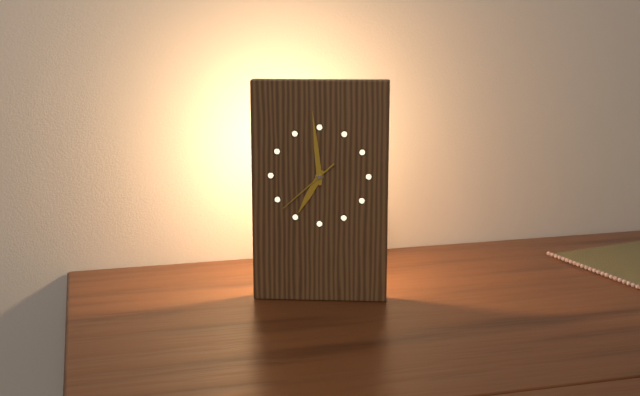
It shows 6h59m38s
